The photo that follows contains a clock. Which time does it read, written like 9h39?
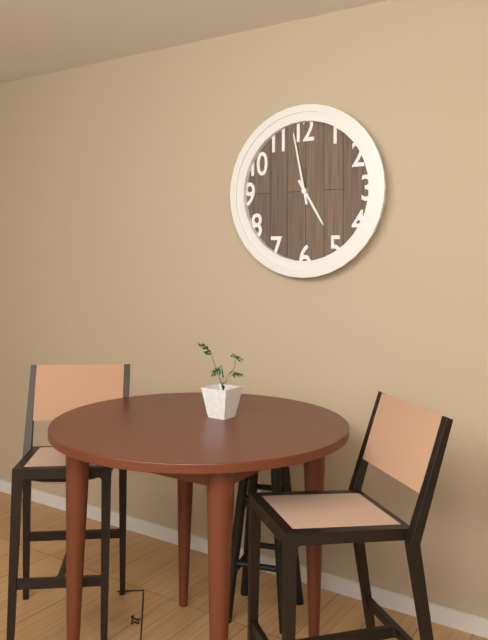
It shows 4h58
